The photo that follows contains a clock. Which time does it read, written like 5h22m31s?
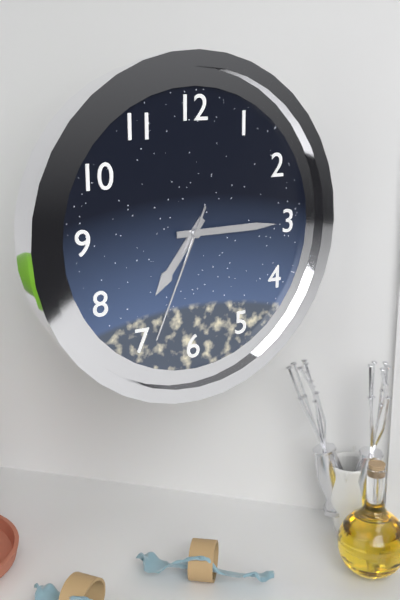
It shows 7h15m34s
